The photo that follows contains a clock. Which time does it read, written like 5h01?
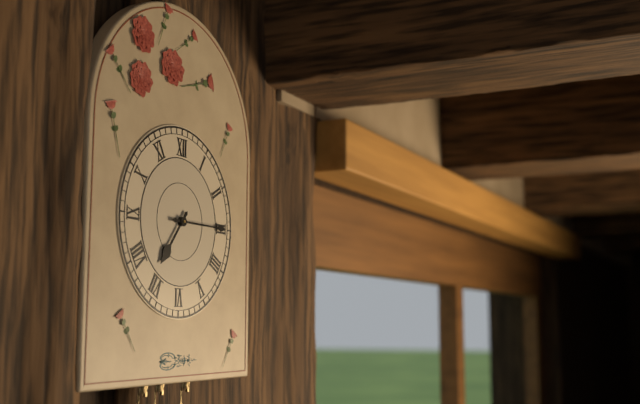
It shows 7h15
